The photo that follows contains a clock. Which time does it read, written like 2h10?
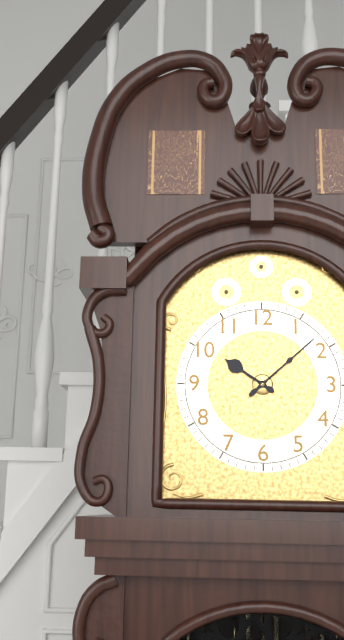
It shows 10h08
